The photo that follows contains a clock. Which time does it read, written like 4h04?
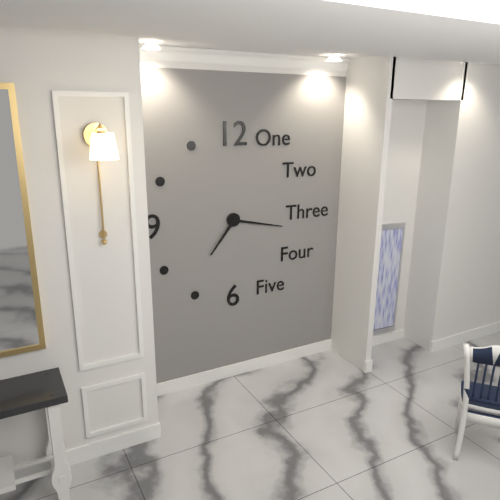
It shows 7h17
